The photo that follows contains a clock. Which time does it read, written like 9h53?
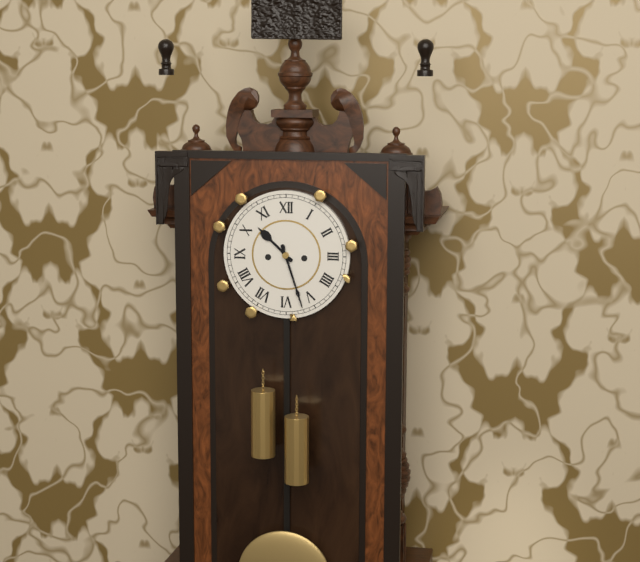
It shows 10h27
